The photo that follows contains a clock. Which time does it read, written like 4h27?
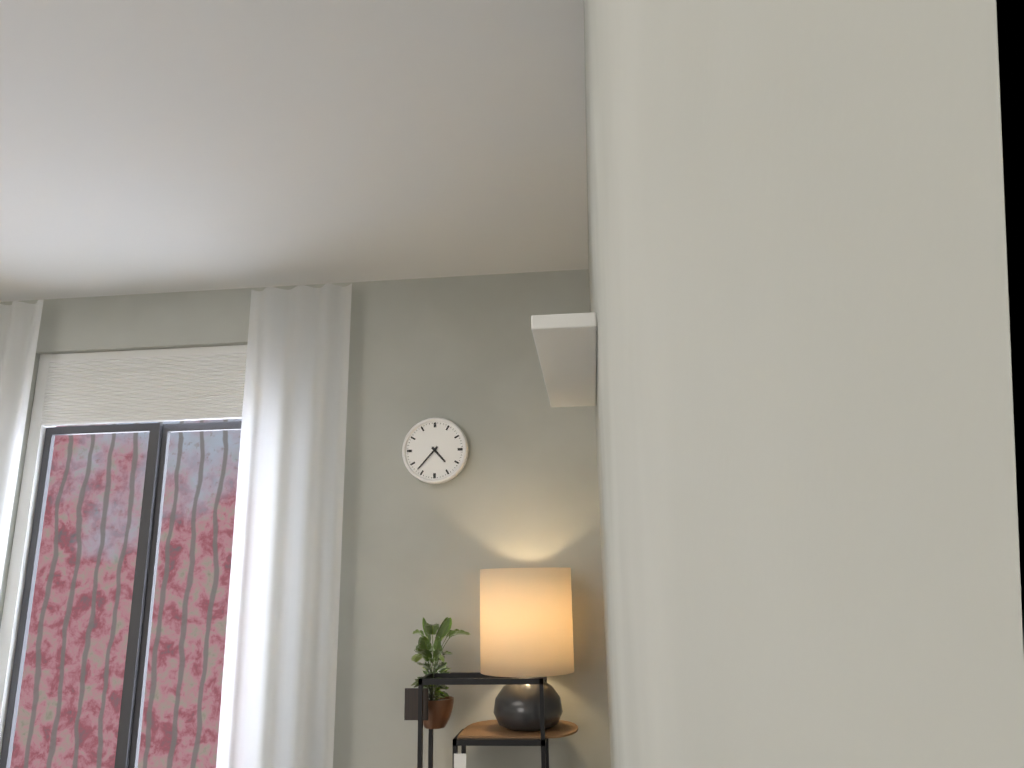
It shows 4h37
